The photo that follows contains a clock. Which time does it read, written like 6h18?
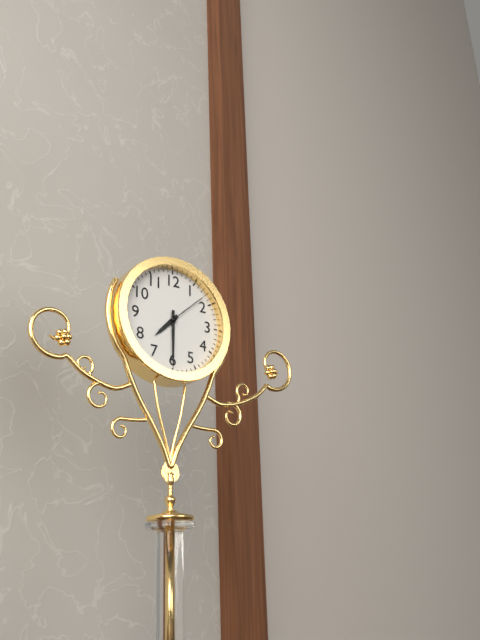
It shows 7h30
